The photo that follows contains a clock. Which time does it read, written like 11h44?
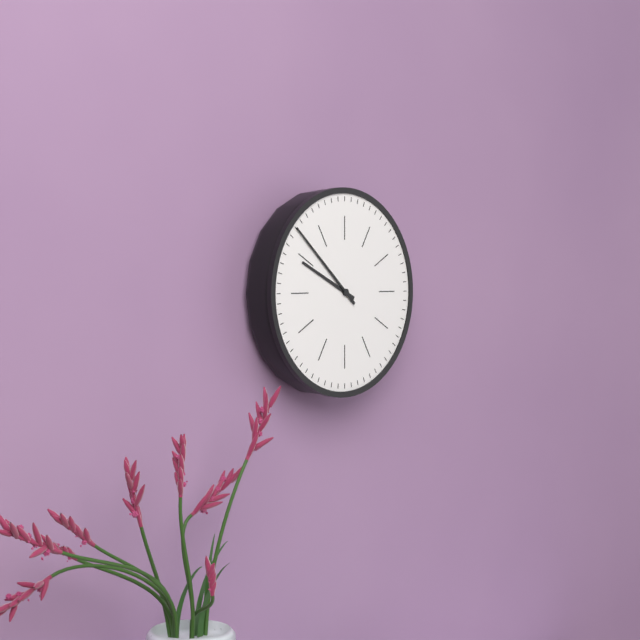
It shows 9h52
